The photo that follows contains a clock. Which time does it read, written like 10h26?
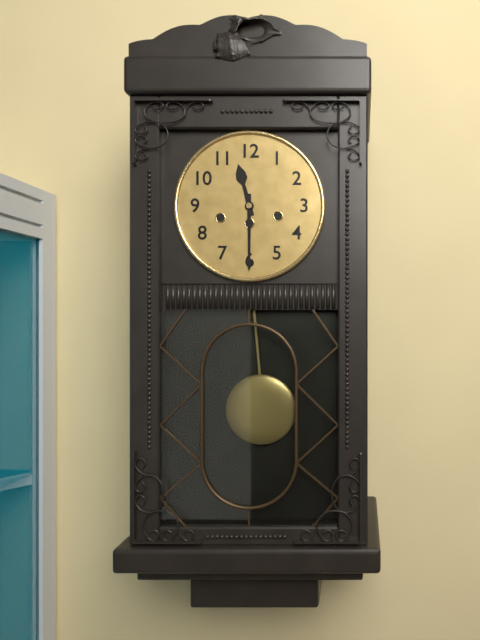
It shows 11h30
